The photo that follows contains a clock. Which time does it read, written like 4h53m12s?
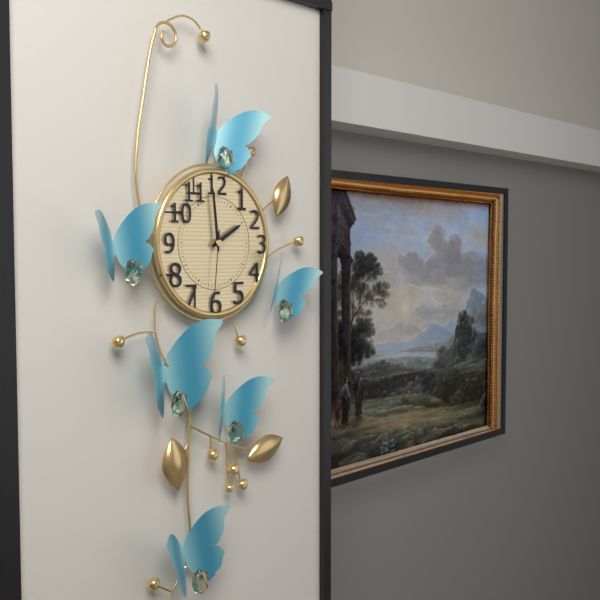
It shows 1h59m31s
